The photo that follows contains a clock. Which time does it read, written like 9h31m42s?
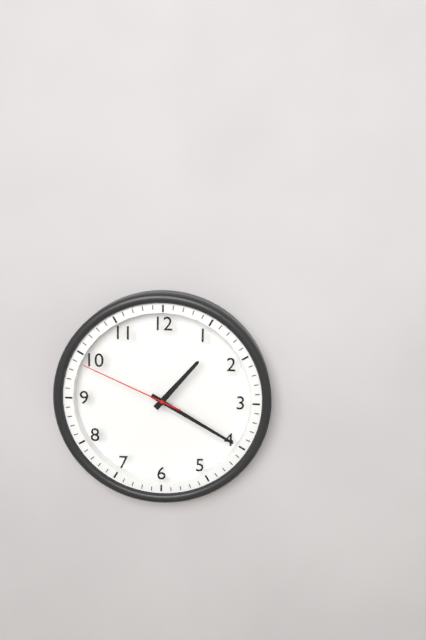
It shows 1h20m49s
